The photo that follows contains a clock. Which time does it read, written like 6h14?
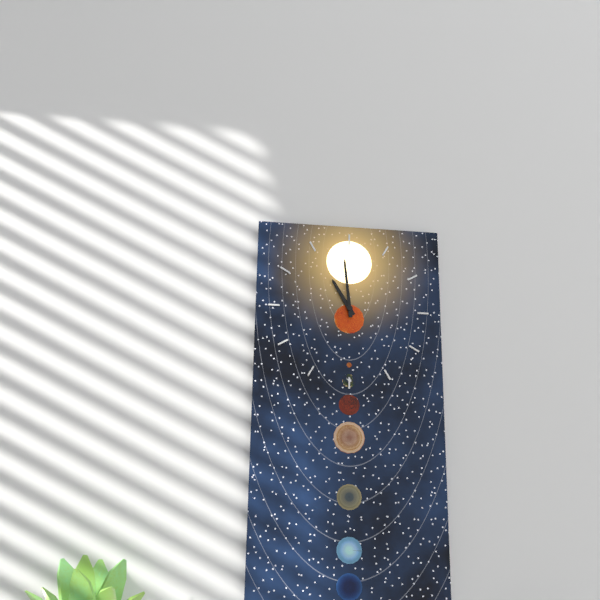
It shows 10h59
